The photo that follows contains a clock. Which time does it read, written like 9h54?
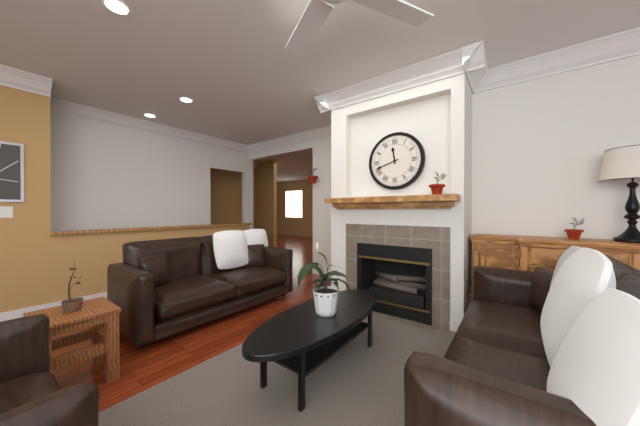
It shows 11h42
